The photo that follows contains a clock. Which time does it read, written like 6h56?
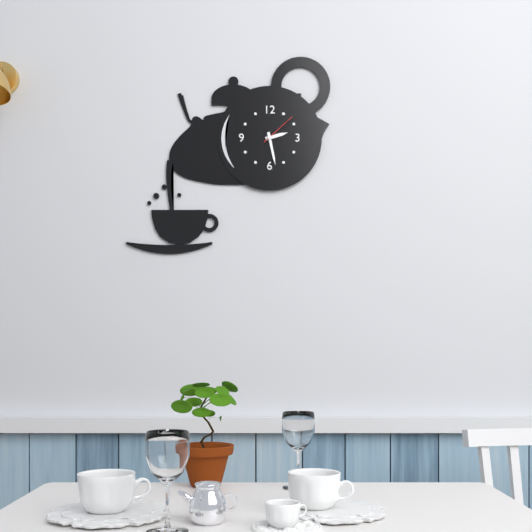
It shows 2h28
